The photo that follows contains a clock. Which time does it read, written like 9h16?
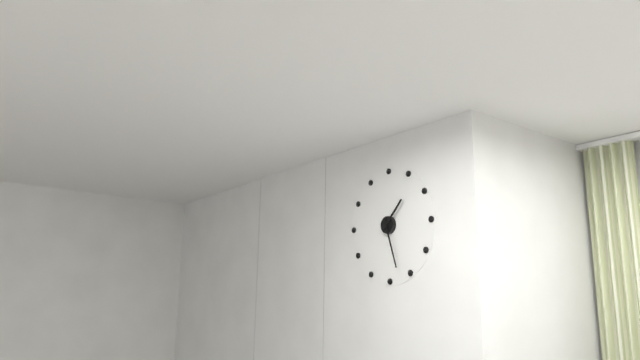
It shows 1h27
